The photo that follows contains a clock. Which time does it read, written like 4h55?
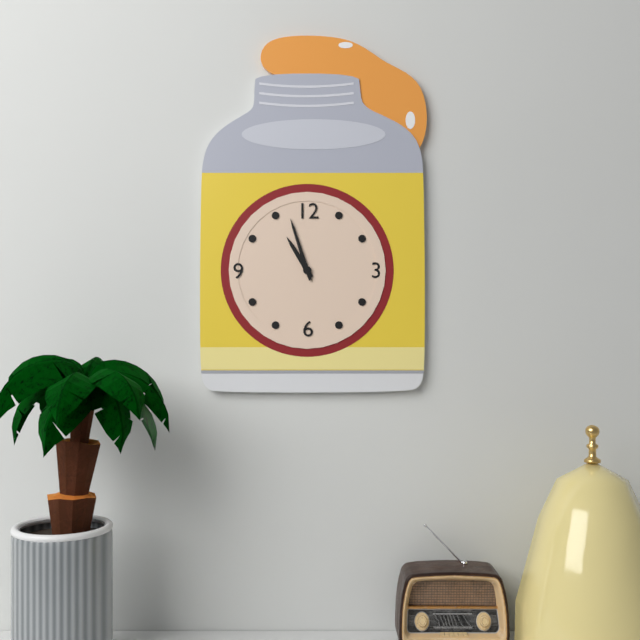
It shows 10h57
